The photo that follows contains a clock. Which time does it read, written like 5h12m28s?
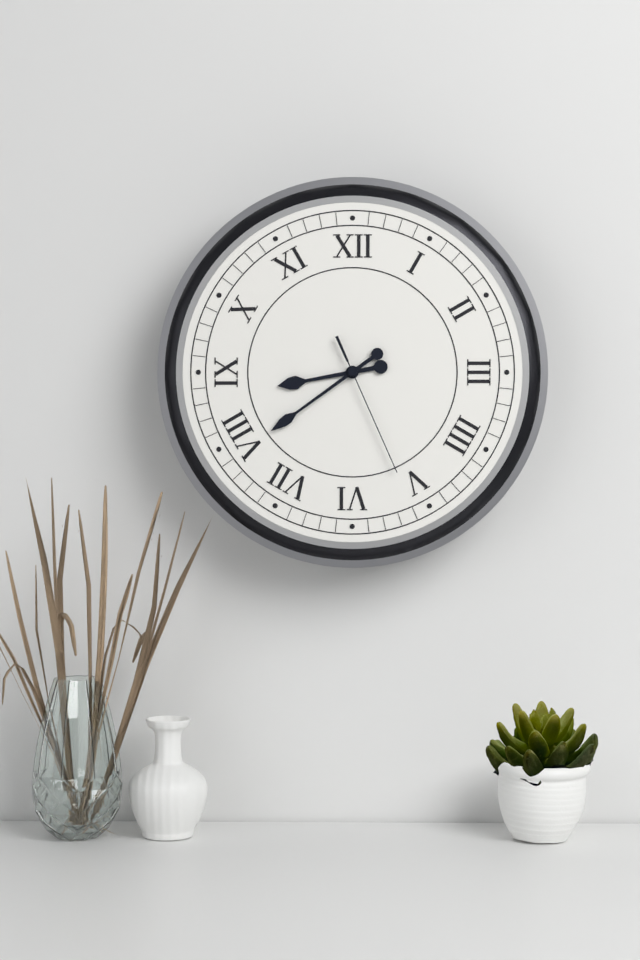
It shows 8h39m26s
